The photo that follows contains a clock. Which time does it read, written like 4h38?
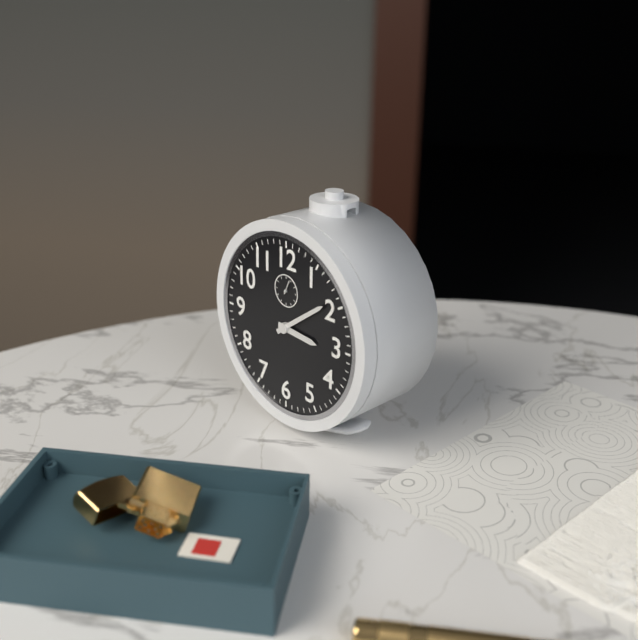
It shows 3h09
